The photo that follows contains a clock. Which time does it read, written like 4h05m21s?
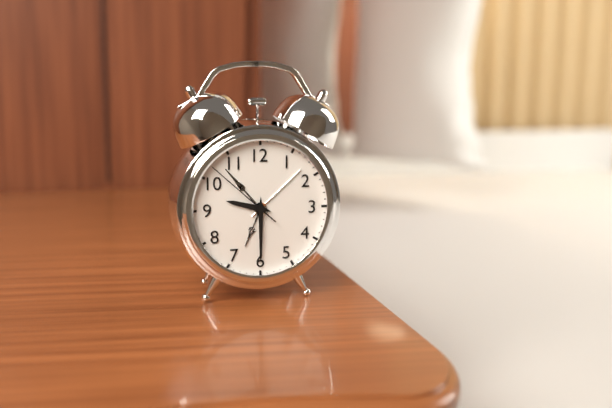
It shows 9h30m52s
